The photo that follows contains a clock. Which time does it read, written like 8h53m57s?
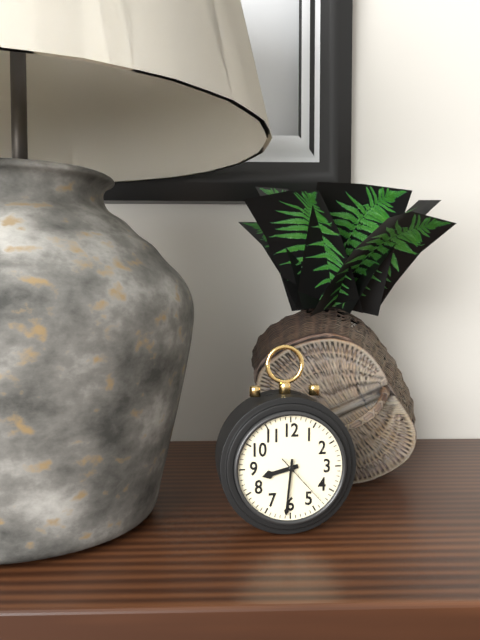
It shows 8h31m23s
